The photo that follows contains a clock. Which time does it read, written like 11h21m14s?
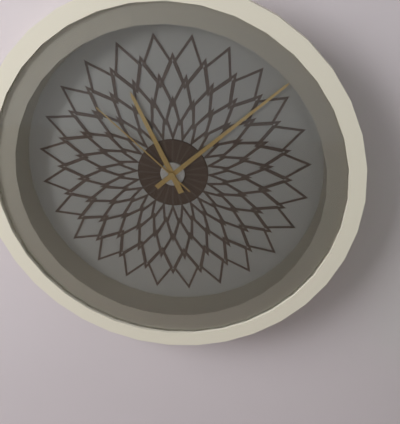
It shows 11h08m52s
